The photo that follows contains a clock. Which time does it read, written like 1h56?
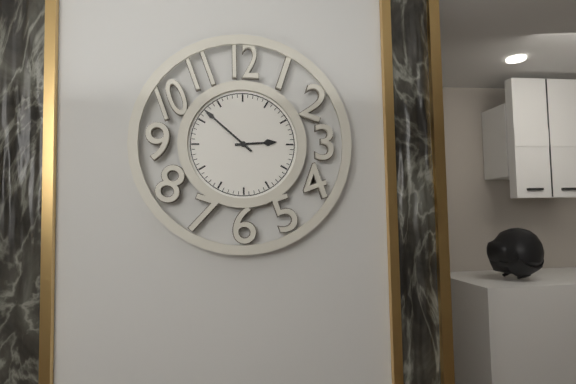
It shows 2h52
